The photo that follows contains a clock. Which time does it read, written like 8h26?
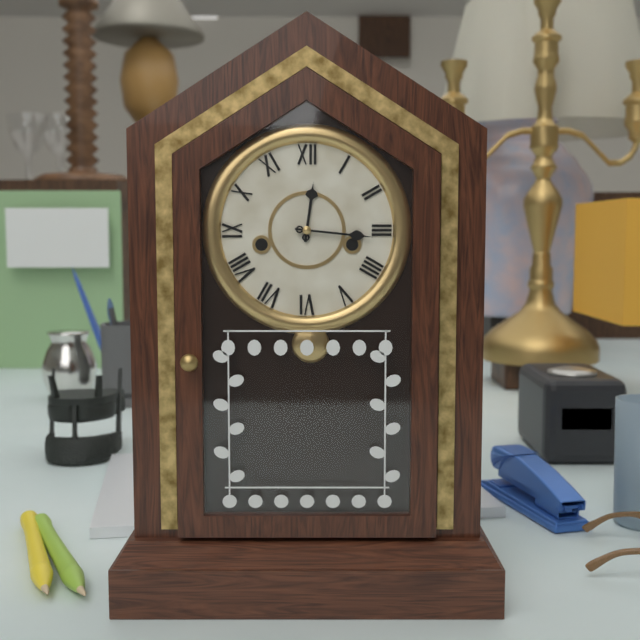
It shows 12h16
